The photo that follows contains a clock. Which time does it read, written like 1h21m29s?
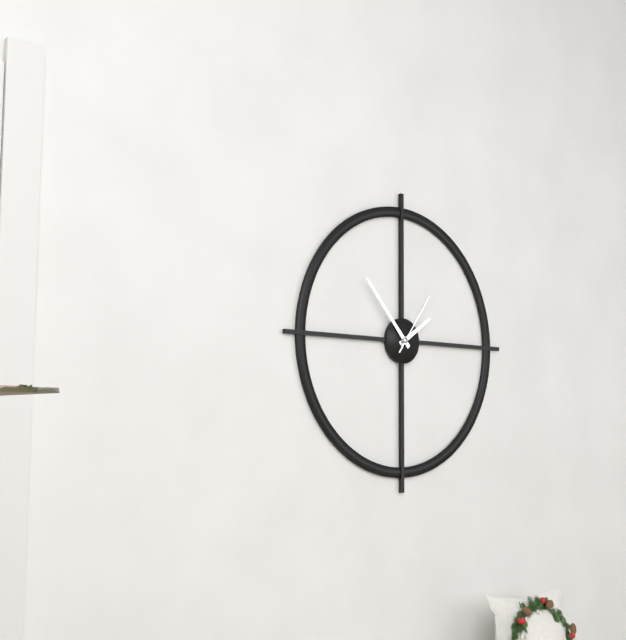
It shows 1h53m06s
